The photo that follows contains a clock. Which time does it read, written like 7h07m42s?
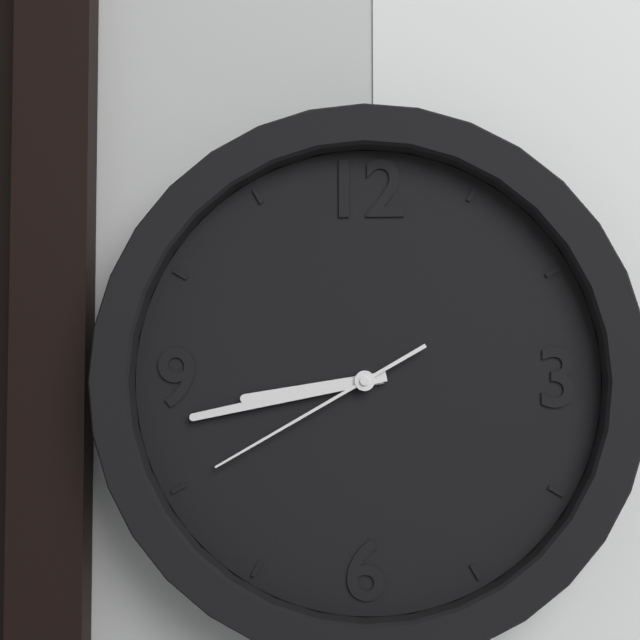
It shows 8h43m40s
